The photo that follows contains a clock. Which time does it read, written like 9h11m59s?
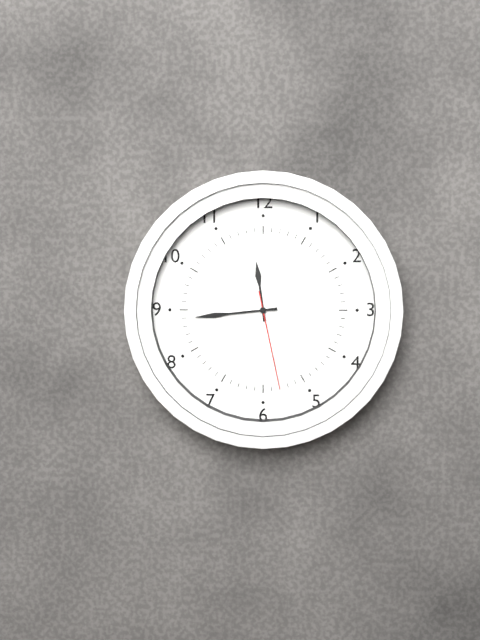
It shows 11h44m28s
